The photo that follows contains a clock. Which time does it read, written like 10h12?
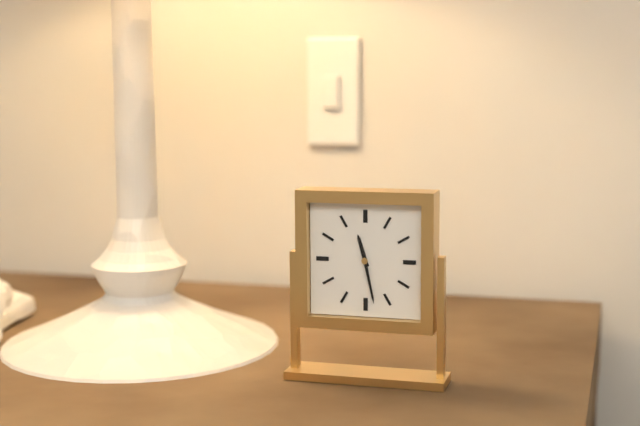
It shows 11h28
